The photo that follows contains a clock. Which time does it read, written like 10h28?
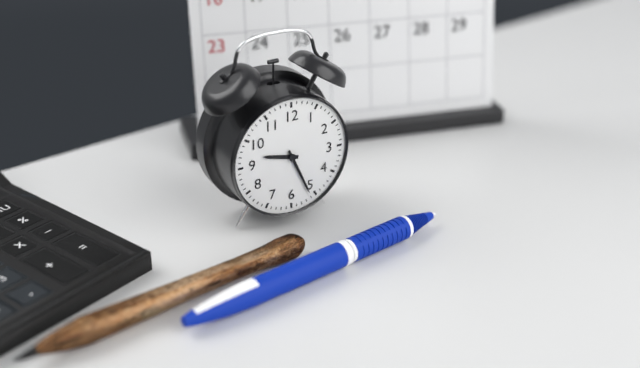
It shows 9h26
